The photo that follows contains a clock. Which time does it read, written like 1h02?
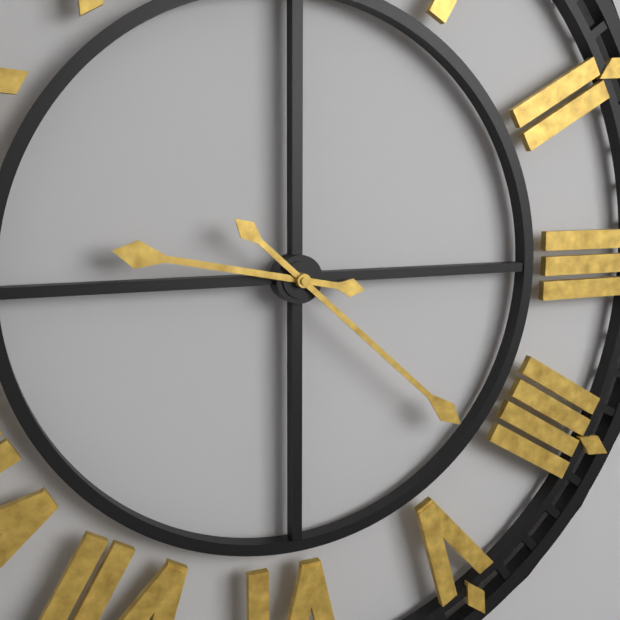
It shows 9h22
